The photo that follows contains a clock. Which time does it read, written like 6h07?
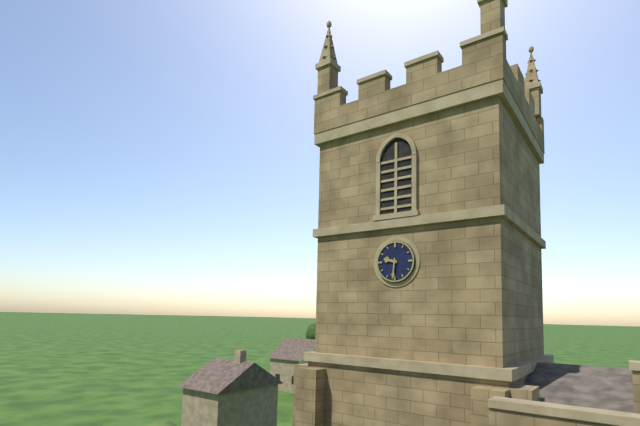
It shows 9h31
